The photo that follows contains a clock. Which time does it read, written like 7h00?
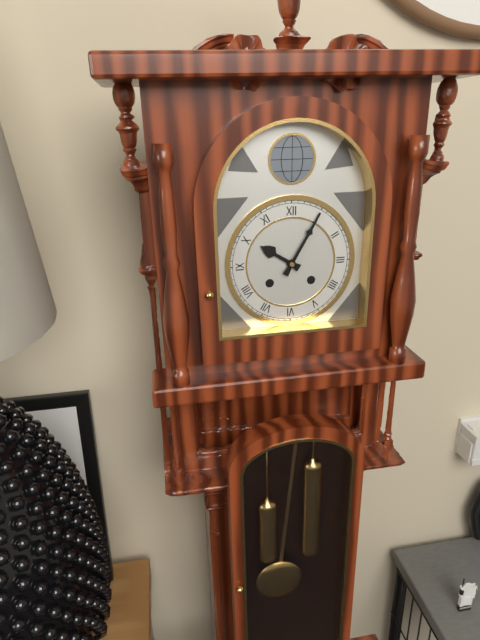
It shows 10h05
